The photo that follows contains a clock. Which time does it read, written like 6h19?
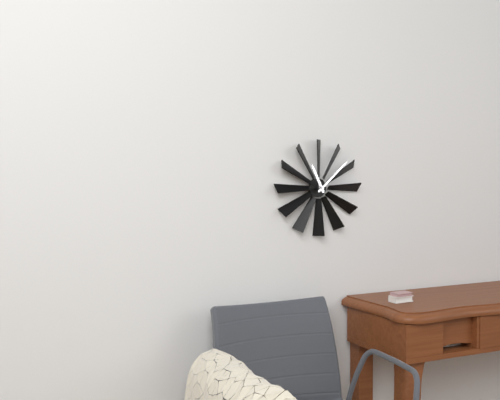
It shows 11h08
